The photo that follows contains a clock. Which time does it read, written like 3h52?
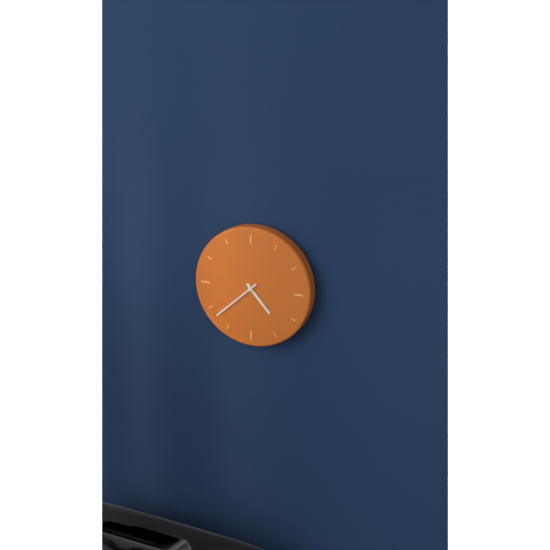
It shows 4h38
